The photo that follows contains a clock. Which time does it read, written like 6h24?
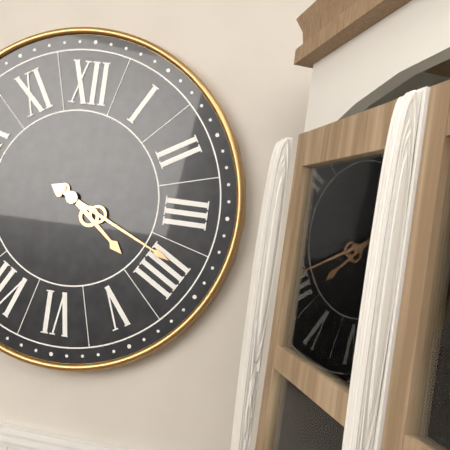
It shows 4h19
